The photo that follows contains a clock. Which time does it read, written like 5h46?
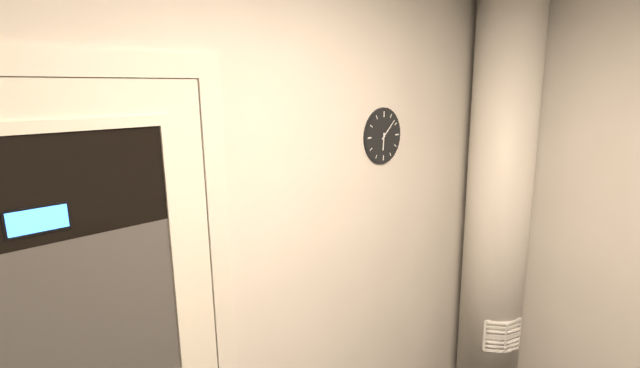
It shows 6h08
